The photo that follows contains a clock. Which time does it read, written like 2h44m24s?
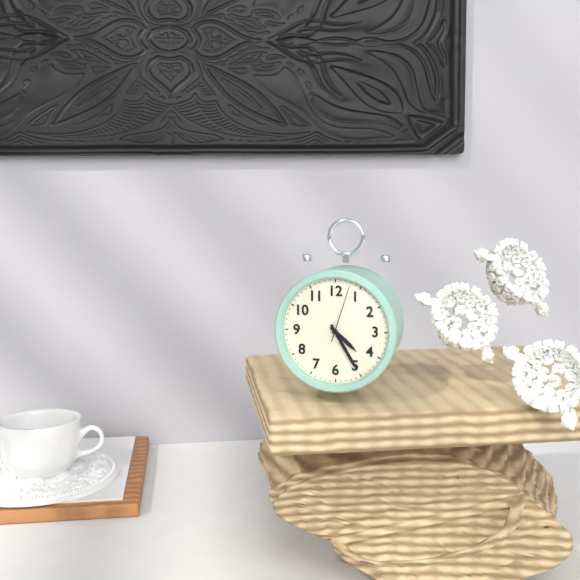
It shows 4h25m03s
